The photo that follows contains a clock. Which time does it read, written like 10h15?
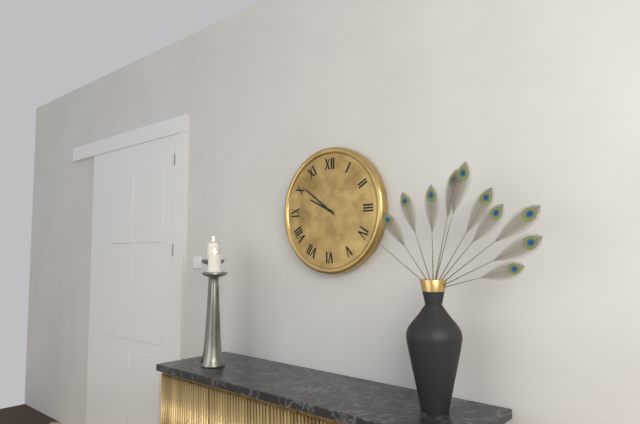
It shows 9h51
